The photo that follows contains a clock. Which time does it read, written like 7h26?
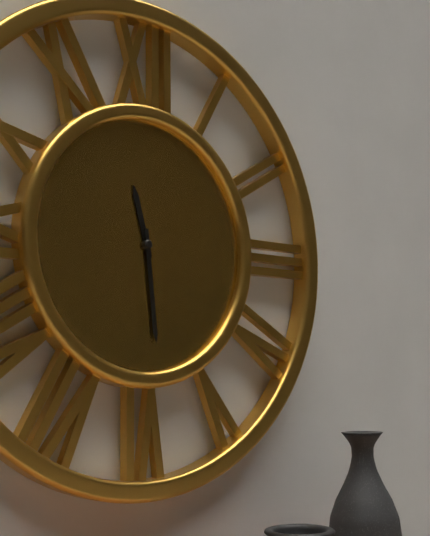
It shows 11h29
